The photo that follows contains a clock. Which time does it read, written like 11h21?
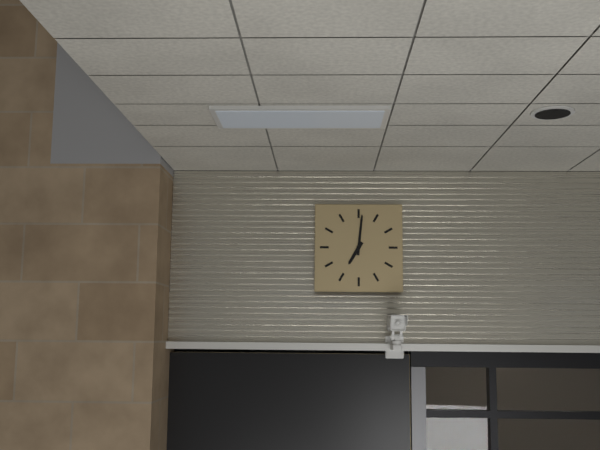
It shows 7h01
